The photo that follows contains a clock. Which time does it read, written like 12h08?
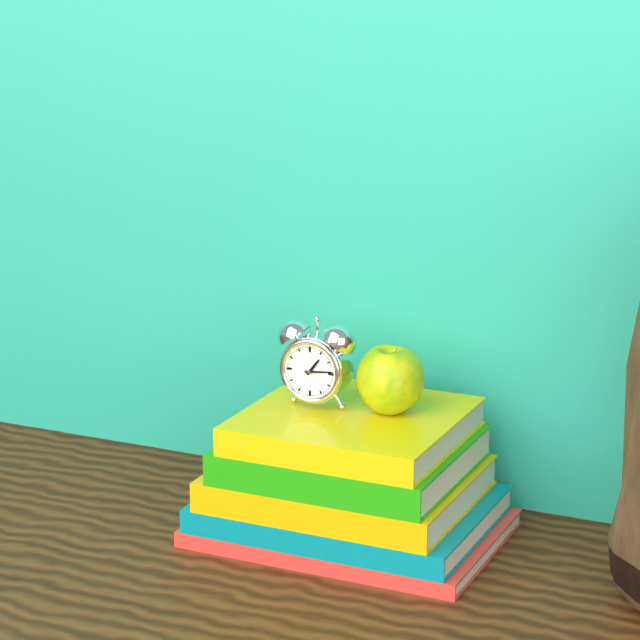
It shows 1h14
